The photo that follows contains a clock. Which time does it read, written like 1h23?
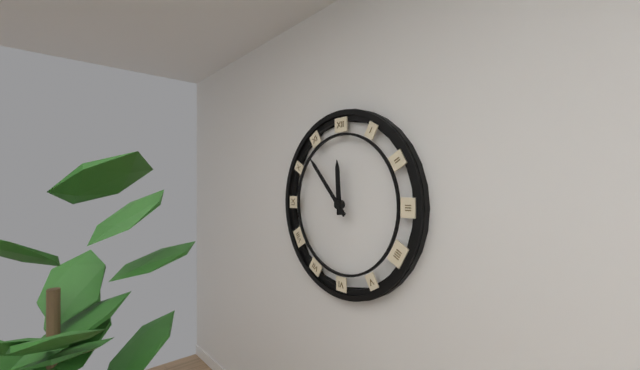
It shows 11h53
